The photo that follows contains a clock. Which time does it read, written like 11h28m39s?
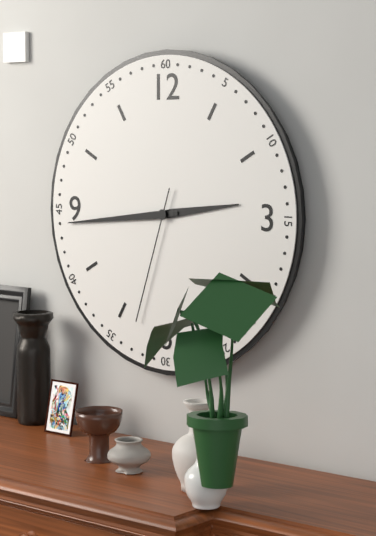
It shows 2h44m33s
